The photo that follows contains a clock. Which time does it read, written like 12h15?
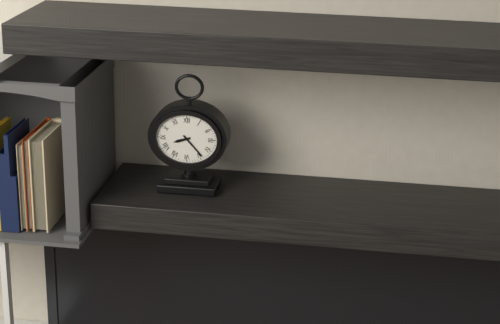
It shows 8h23
